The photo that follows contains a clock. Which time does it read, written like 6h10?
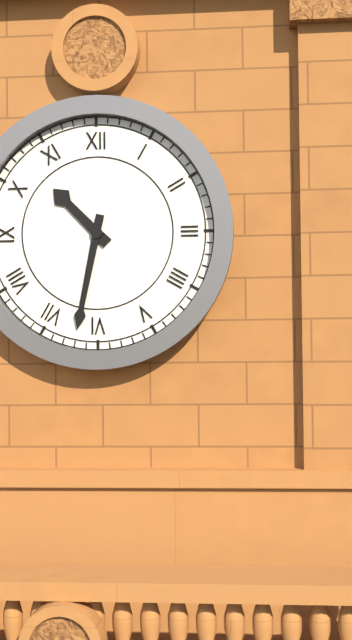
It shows 10h32
